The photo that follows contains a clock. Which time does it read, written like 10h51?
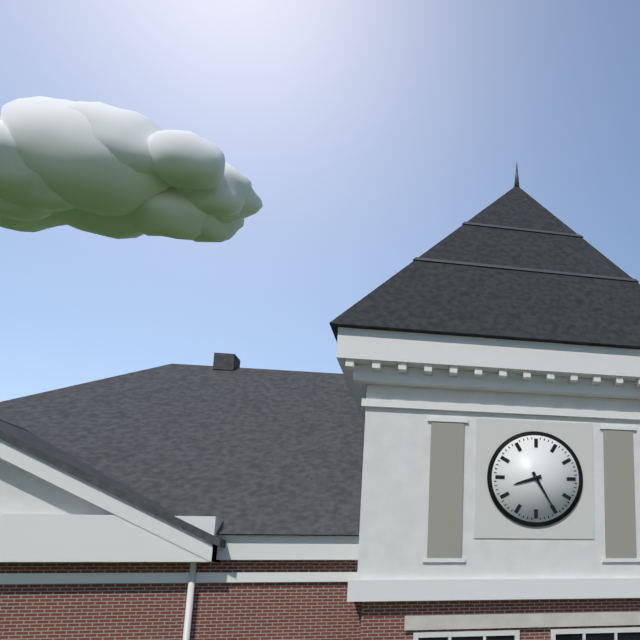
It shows 8h25
